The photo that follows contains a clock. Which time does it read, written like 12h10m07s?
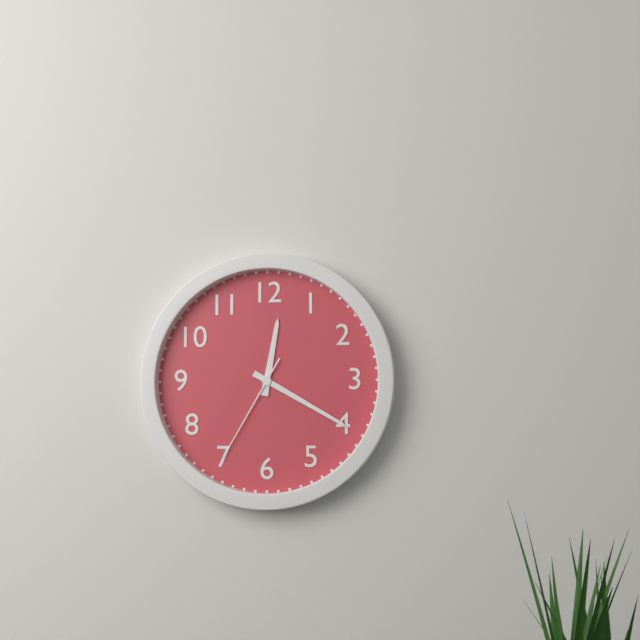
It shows 12h20m35s
